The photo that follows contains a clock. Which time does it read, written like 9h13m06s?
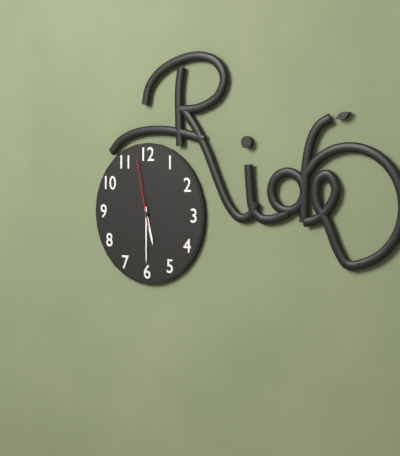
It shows 5h30m58s
